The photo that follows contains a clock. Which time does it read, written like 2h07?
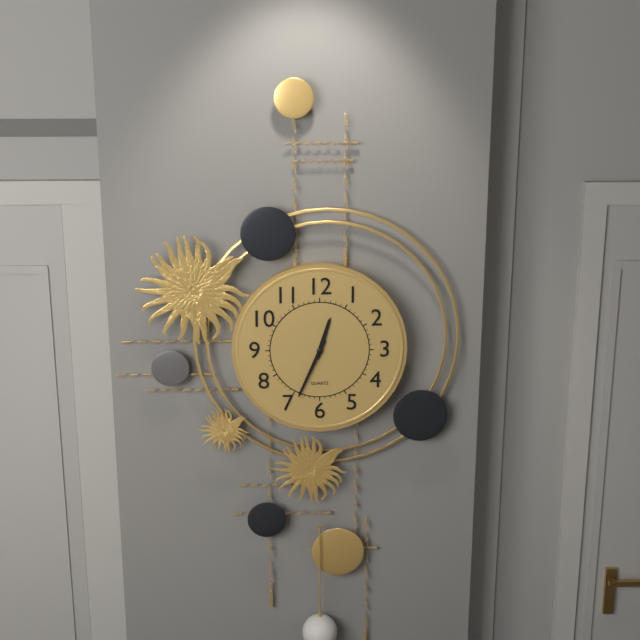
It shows 12h34
